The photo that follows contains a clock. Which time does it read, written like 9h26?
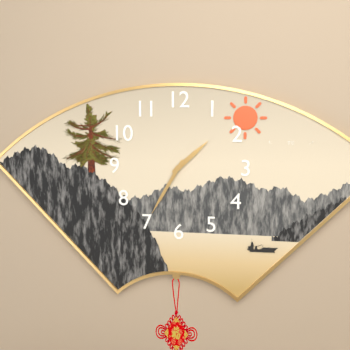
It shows 1h35
